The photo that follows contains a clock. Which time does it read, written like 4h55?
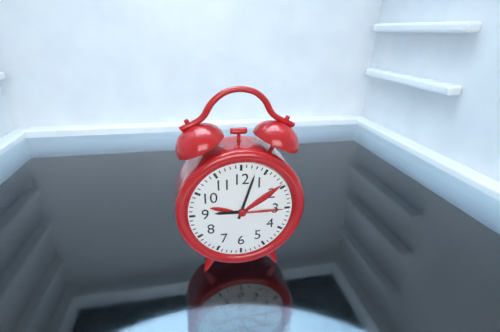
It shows 9h03
